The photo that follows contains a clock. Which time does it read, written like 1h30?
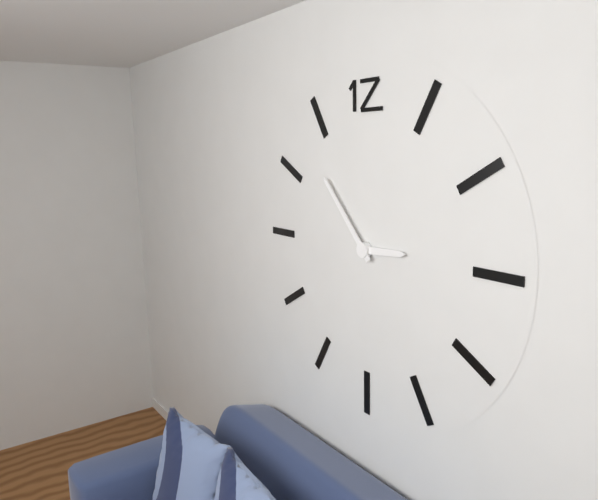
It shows 2h53
